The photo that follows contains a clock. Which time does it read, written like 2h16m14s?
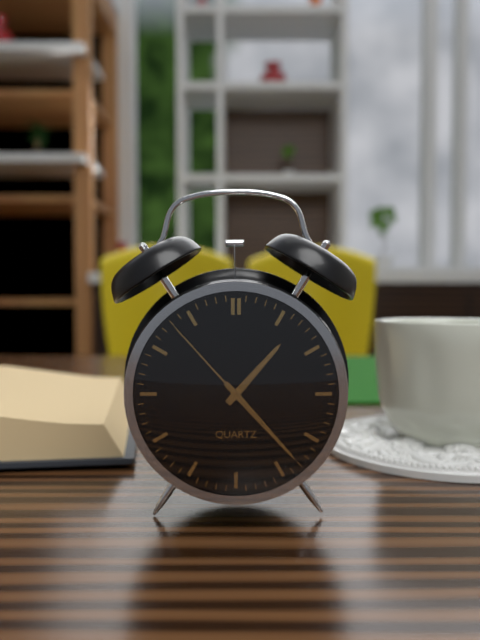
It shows 1h23m53s
